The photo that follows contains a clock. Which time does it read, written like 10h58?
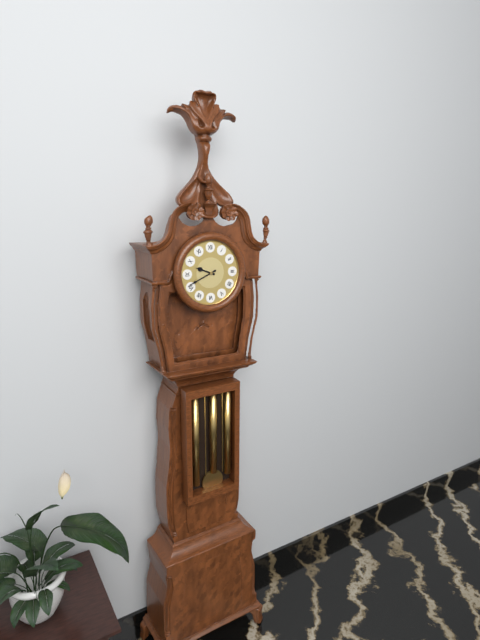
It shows 9h41
